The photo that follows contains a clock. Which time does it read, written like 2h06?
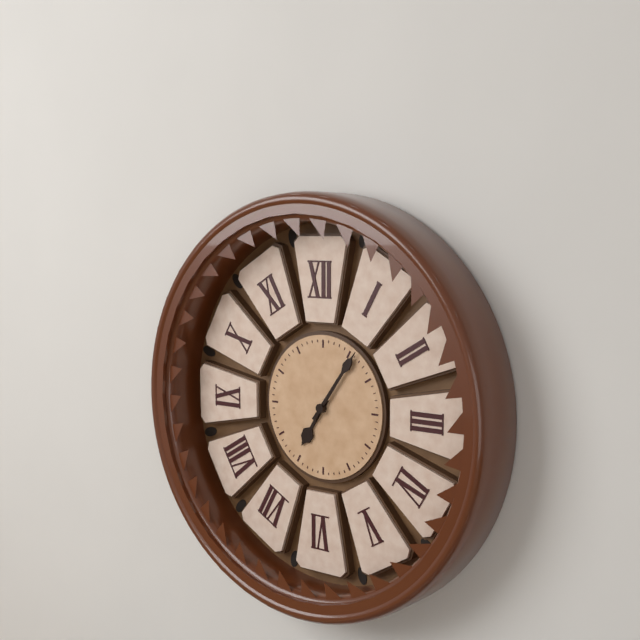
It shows 7h06
